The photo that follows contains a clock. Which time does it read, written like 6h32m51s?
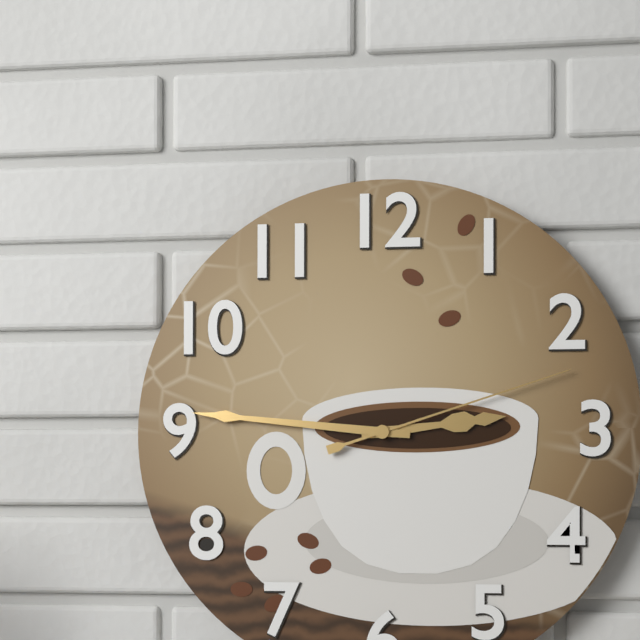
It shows 2h46m12s
